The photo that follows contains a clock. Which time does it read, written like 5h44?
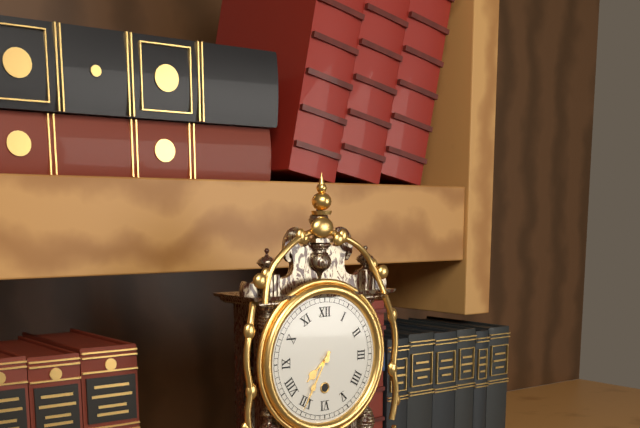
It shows 7h35
